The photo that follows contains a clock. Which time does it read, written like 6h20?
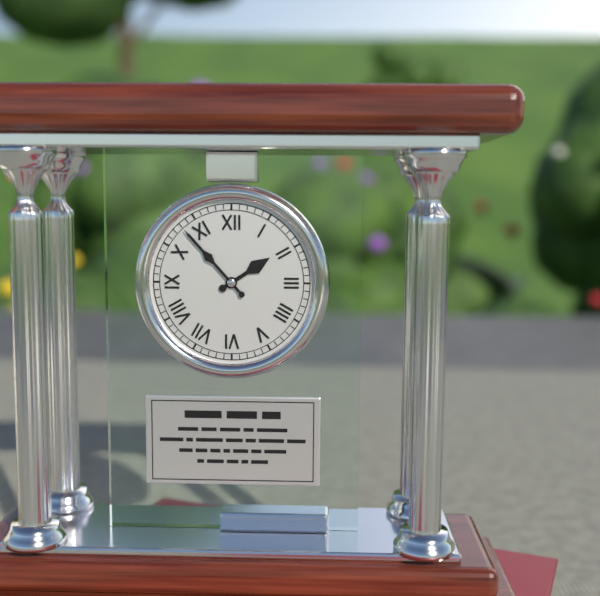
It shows 1h53
